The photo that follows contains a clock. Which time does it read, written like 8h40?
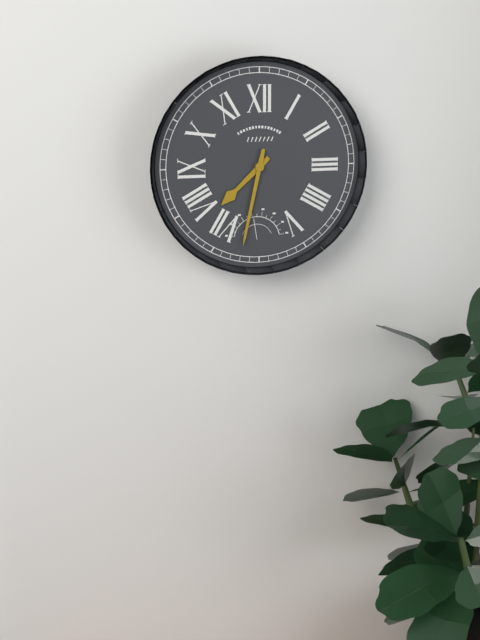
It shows 7h32
